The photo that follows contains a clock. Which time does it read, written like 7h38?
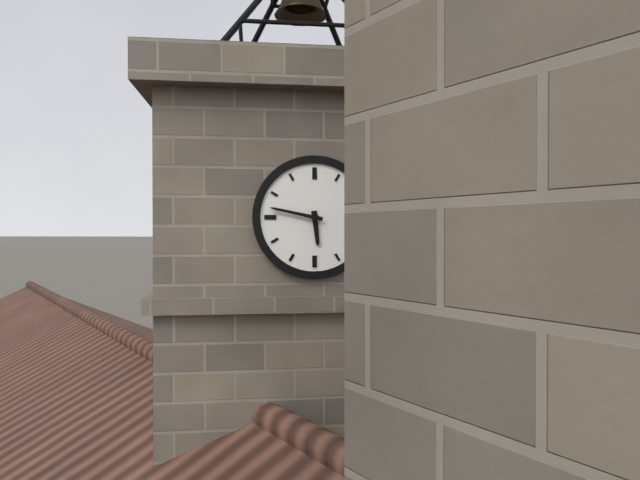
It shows 5h47
